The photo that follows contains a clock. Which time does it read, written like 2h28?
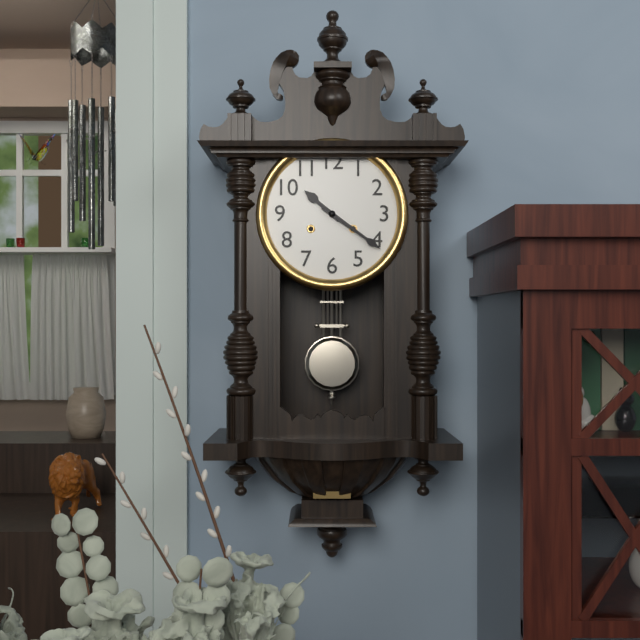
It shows 10h21
